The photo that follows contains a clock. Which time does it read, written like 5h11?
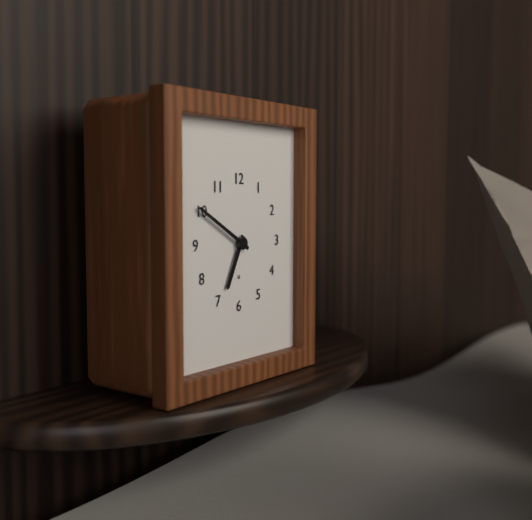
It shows 6h50
